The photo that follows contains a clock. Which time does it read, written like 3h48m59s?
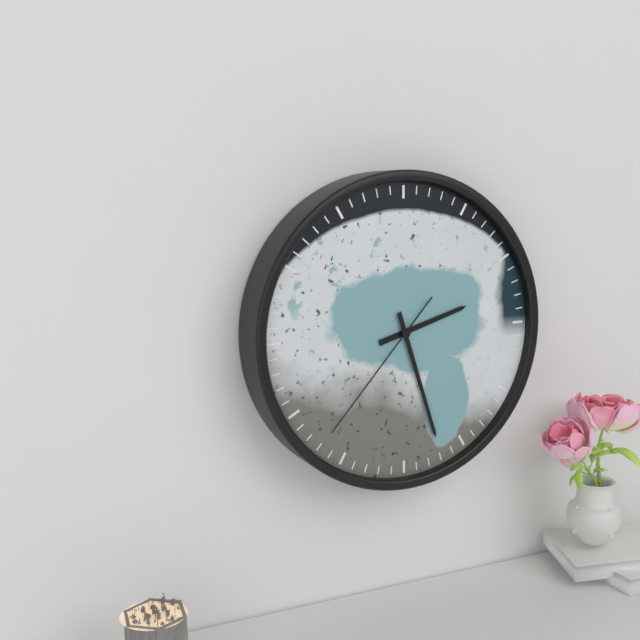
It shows 2h27m37s
